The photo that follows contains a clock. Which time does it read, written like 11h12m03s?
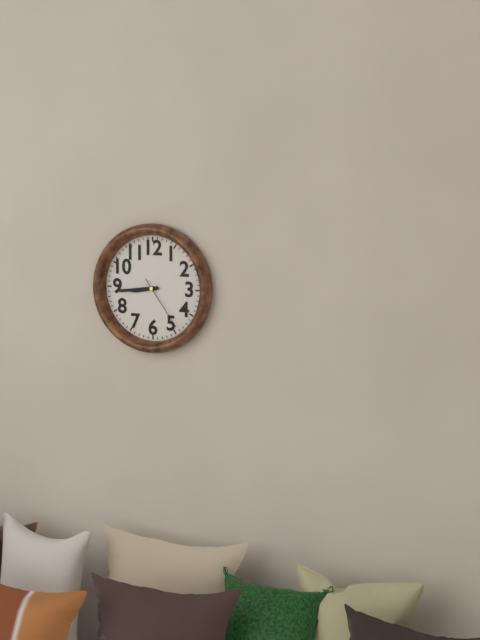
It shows 8h44m24s
